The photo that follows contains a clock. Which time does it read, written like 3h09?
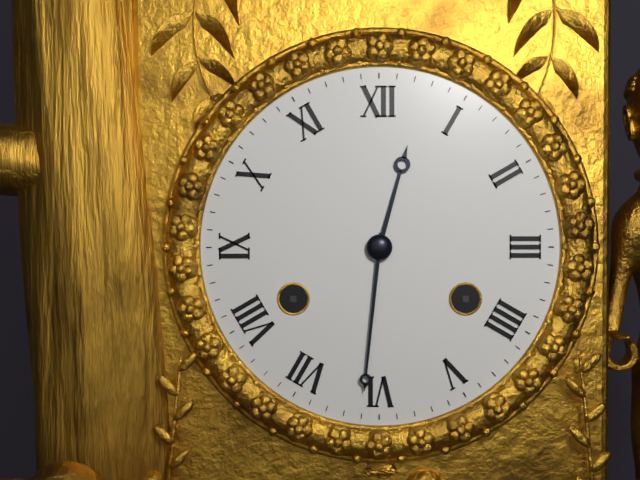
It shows 12h31
